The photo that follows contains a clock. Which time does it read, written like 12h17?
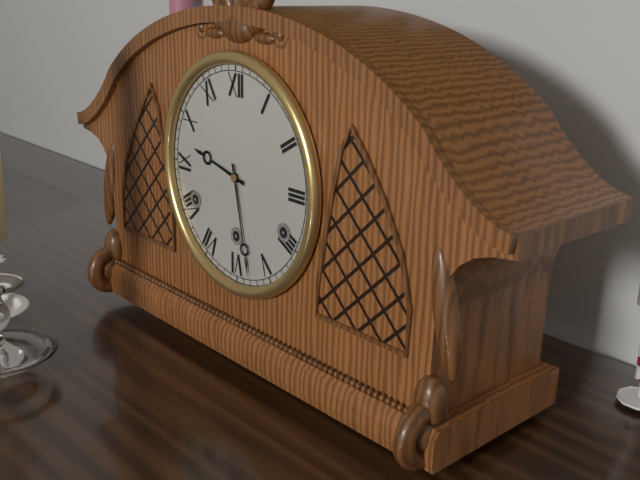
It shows 9h28
